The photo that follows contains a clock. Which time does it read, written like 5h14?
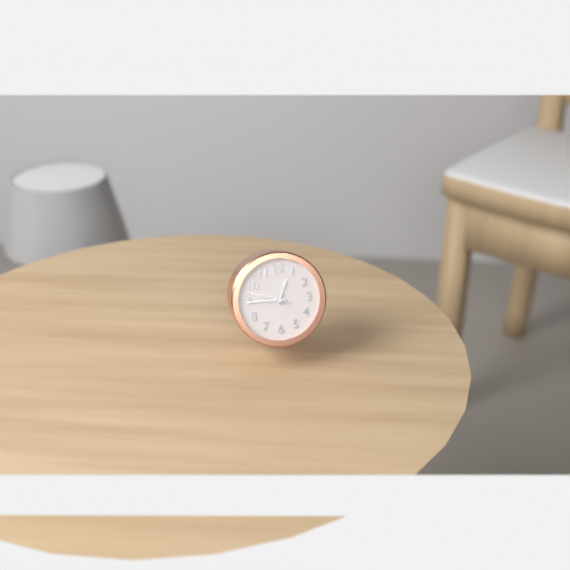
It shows 12h45
